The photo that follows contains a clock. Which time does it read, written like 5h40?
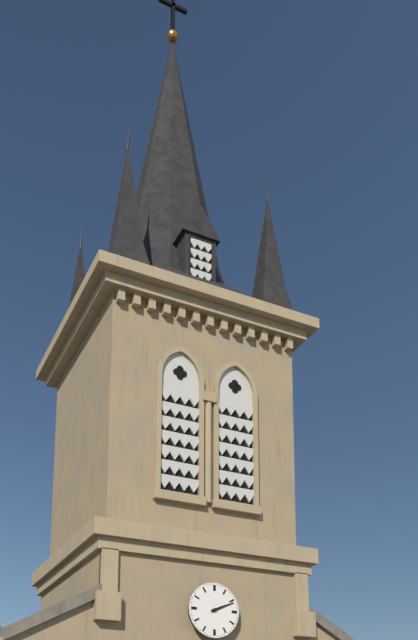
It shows 2h11
